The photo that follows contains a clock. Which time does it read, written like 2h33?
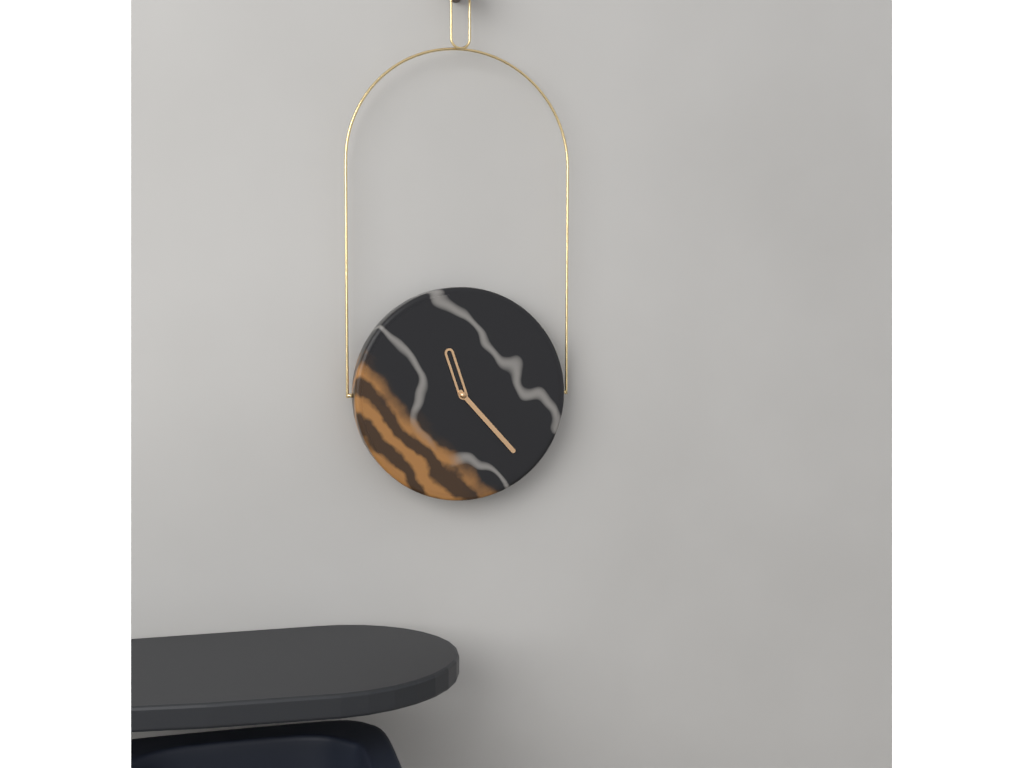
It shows 11h23
